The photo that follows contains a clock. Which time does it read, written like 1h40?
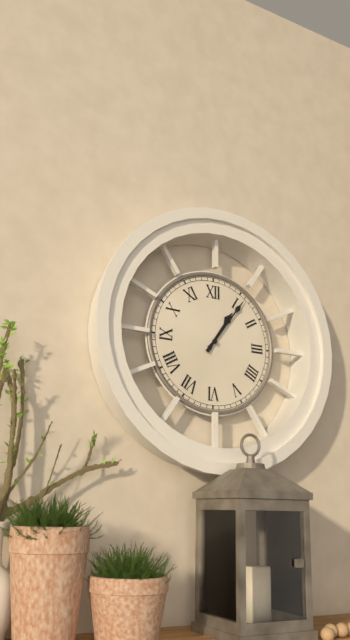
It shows 1h06
